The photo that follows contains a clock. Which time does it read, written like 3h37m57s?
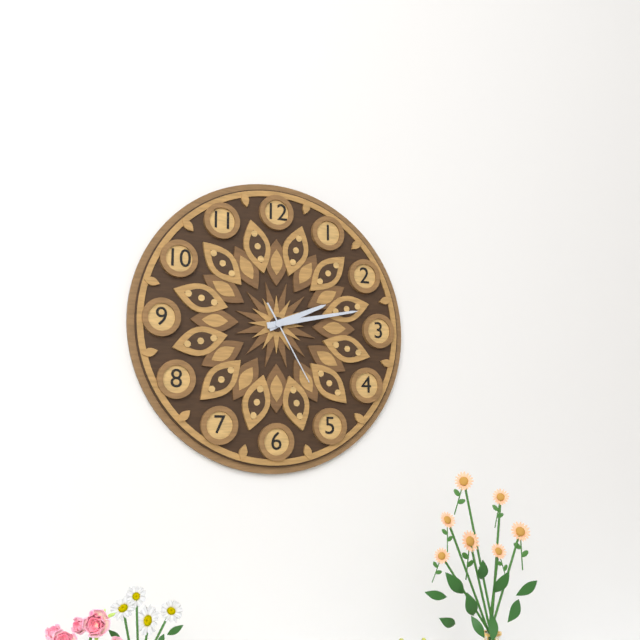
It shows 2h13m25s
